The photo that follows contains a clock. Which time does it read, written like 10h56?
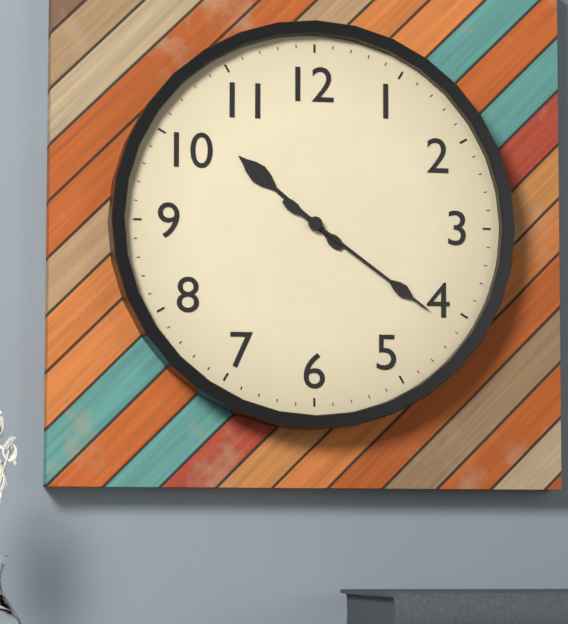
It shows 10h21
